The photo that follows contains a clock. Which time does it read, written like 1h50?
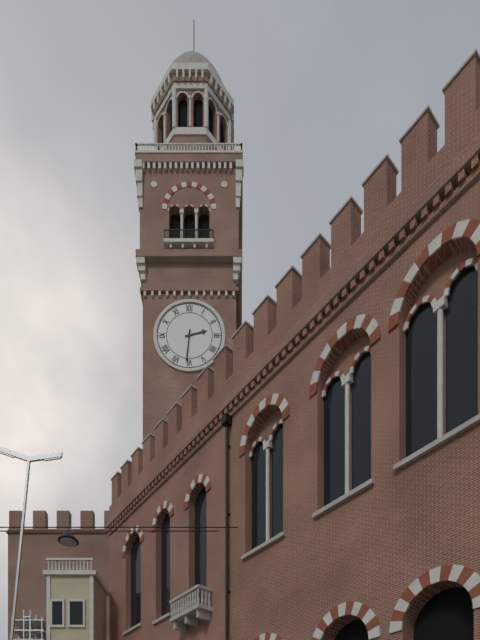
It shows 2h31
